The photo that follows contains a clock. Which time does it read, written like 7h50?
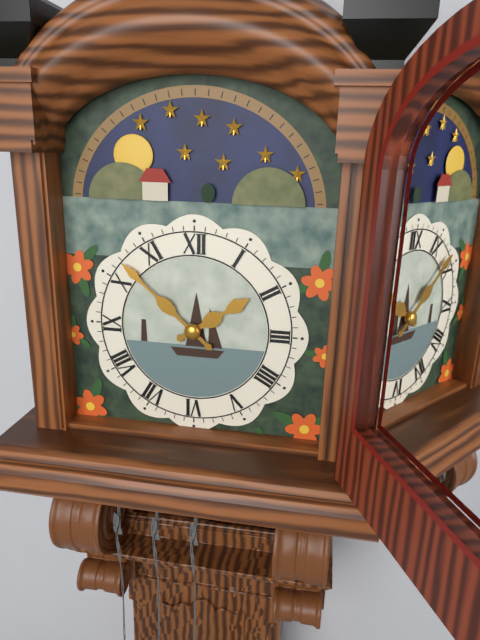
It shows 1h52
